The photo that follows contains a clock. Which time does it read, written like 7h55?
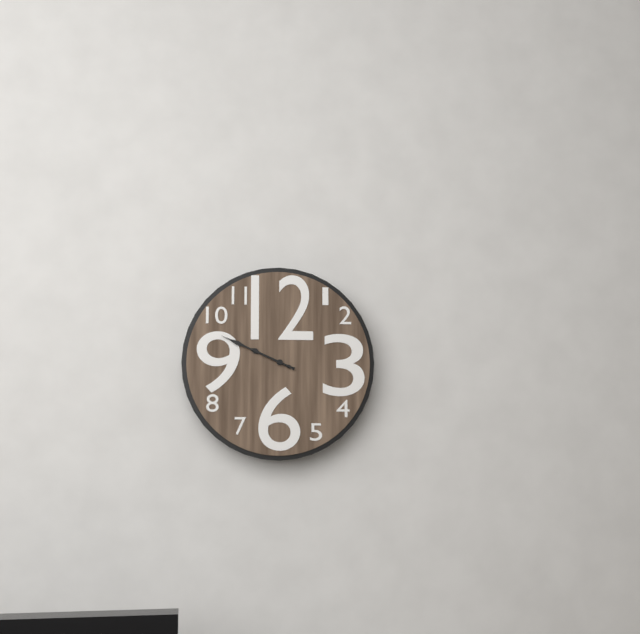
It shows 9h49
